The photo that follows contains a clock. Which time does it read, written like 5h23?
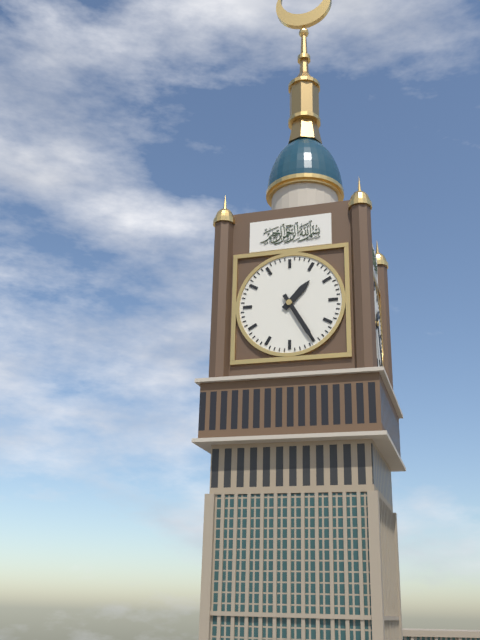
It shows 1h25
